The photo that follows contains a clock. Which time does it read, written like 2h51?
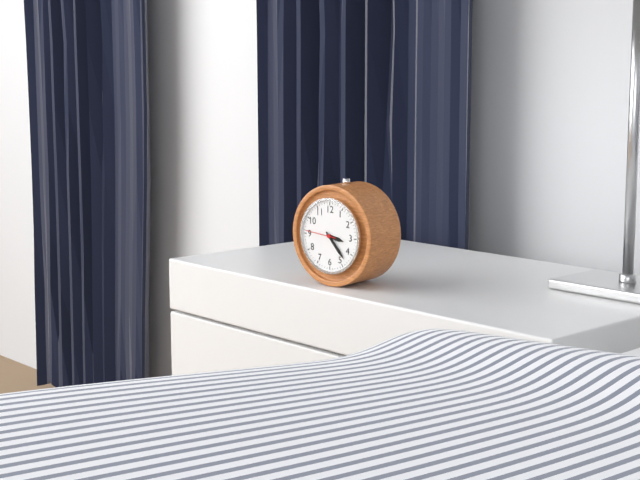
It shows 3h23
